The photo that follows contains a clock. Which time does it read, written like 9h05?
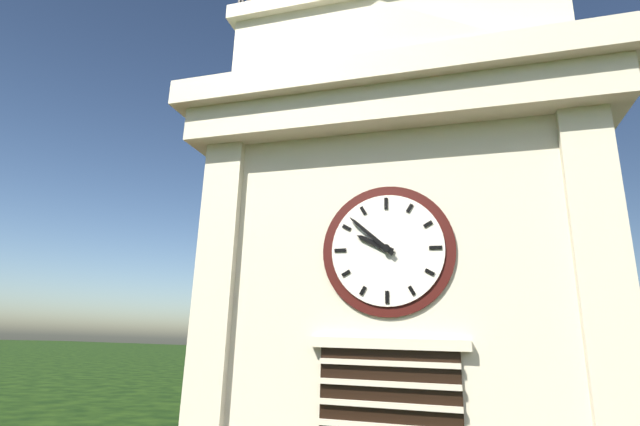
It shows 9h52
